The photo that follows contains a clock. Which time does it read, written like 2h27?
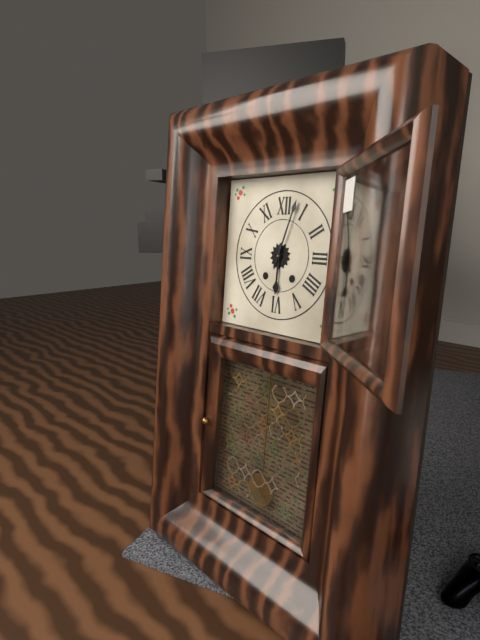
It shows 6h03
